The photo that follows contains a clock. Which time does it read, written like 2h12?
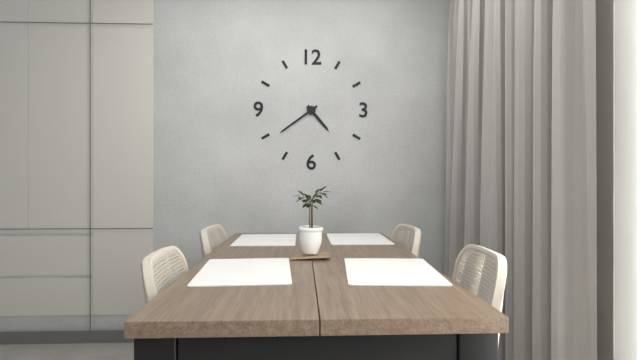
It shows 4h39
